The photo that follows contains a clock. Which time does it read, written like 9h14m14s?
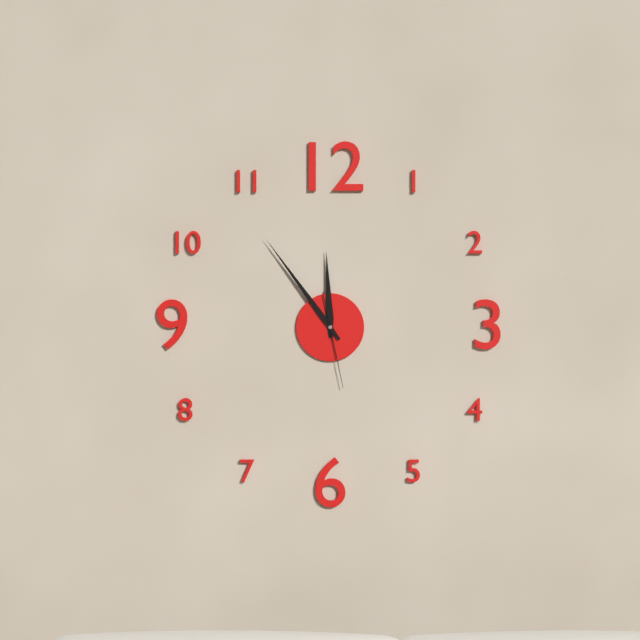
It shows 11h54m28s
